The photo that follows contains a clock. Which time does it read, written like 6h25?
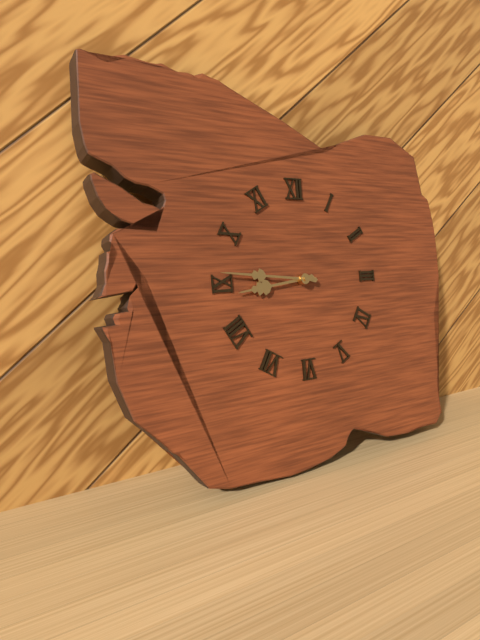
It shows 8h46
